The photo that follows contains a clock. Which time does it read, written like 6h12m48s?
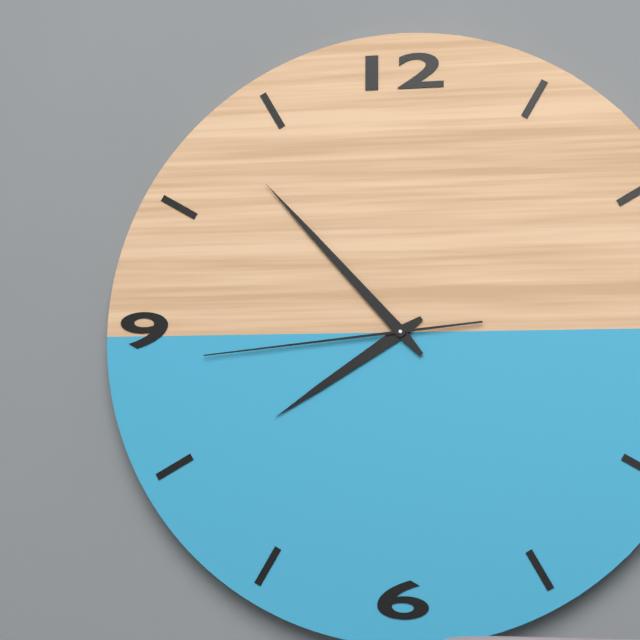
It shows 7h53m44s
